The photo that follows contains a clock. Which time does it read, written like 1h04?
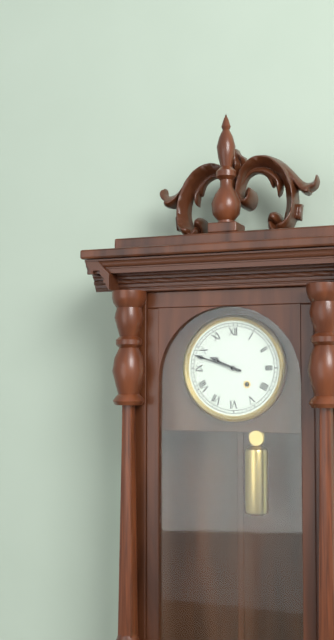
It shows 9h48
